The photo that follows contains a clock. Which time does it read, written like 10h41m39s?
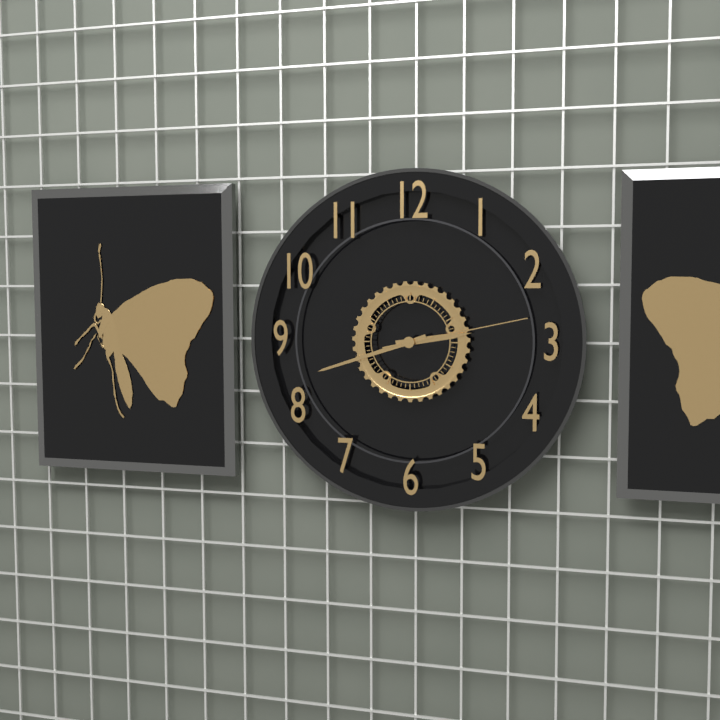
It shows 2h42m13s
